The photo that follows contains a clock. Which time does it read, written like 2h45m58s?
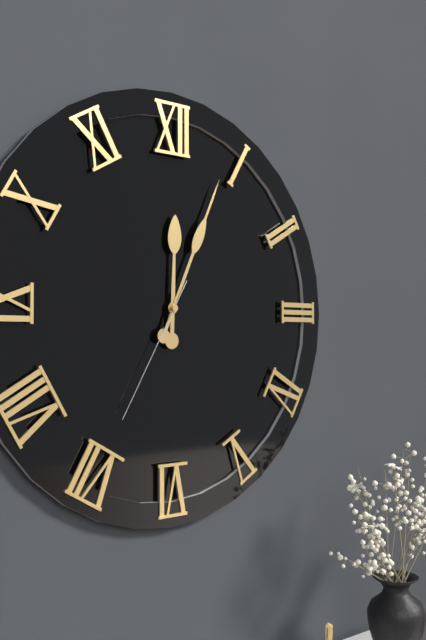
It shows 12h04m35s
